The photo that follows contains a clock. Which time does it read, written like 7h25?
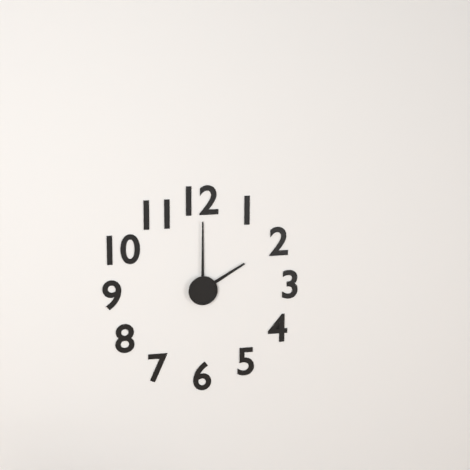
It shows 2h00
